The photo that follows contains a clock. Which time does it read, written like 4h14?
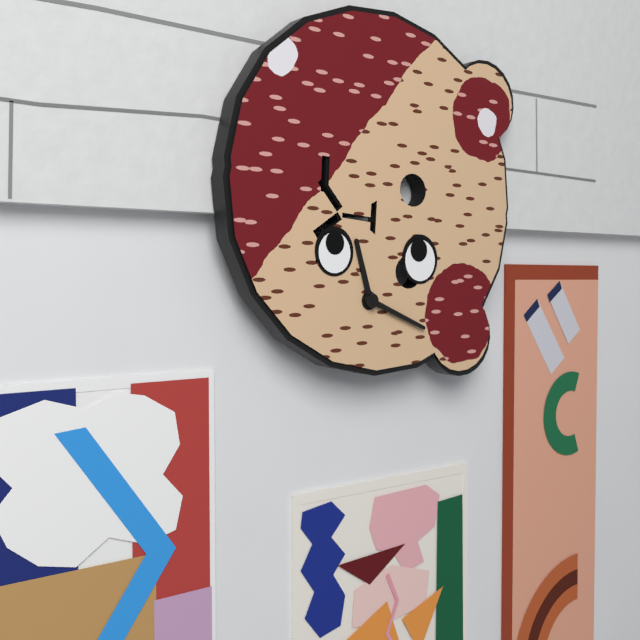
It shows 11h18
